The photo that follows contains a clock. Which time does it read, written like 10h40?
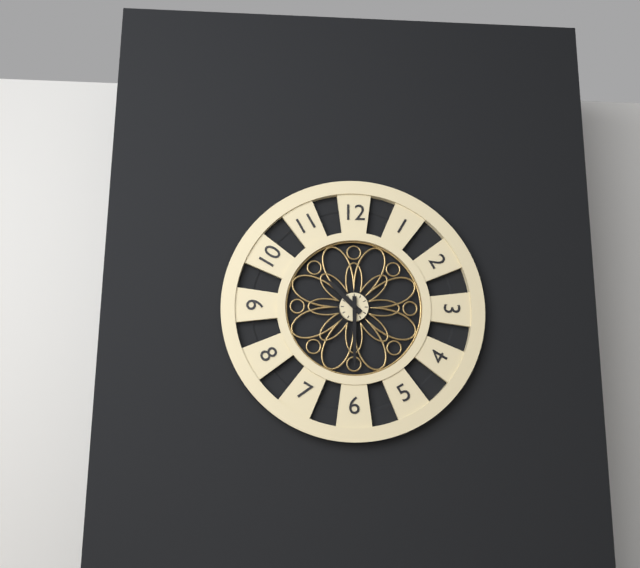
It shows 10h30
